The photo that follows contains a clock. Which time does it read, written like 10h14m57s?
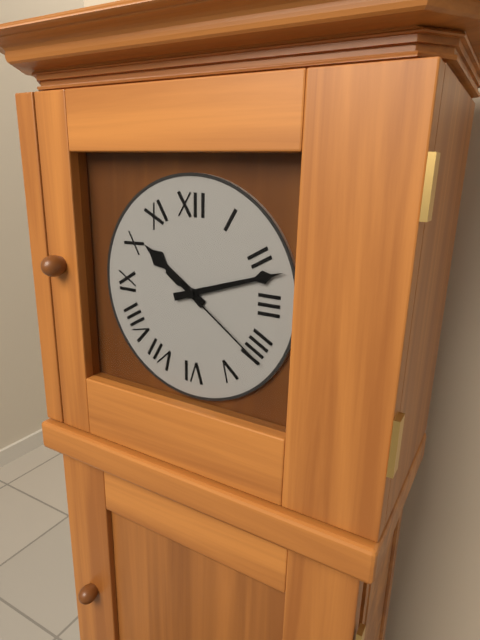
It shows 10h12m21s
